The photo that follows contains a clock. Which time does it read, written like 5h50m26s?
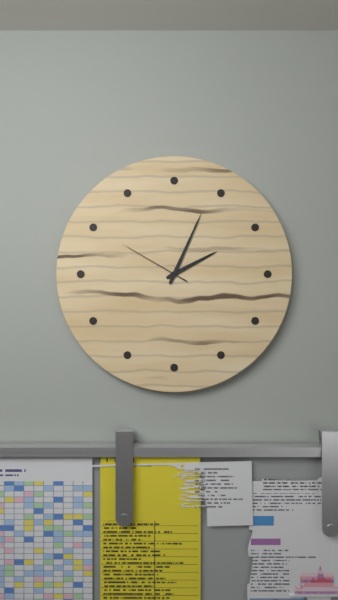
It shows 2h04m50s
